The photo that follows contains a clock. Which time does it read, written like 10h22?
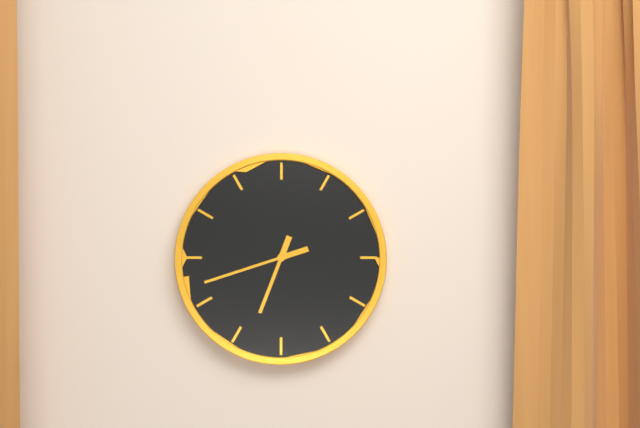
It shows 6h42
